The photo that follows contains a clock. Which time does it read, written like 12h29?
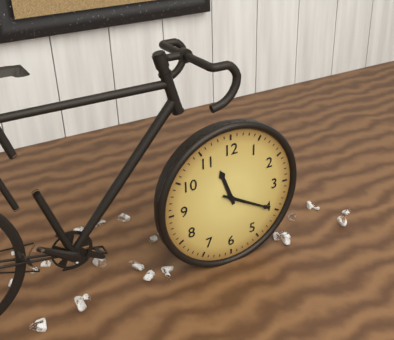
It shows 11h20
